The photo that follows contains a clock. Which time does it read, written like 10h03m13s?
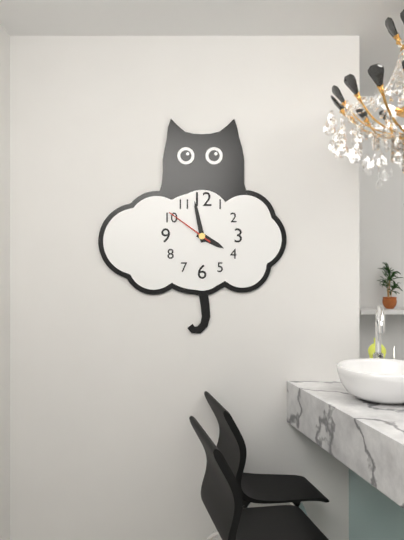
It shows 3h58m51s
